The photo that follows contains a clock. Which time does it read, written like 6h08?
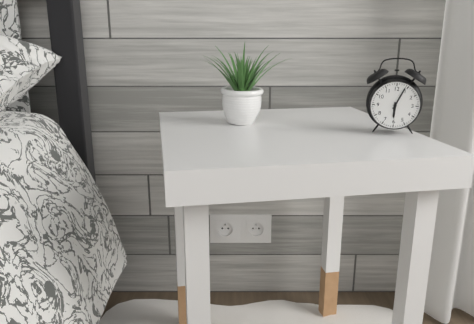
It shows 6h04
